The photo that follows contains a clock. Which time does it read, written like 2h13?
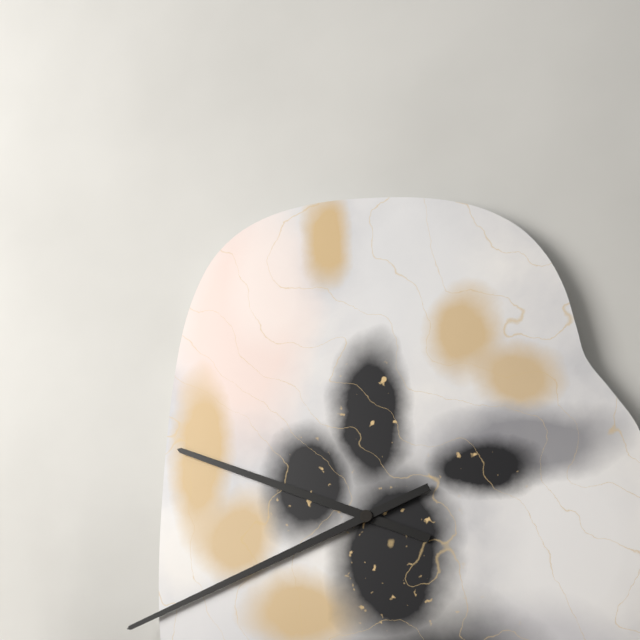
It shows 9h41
